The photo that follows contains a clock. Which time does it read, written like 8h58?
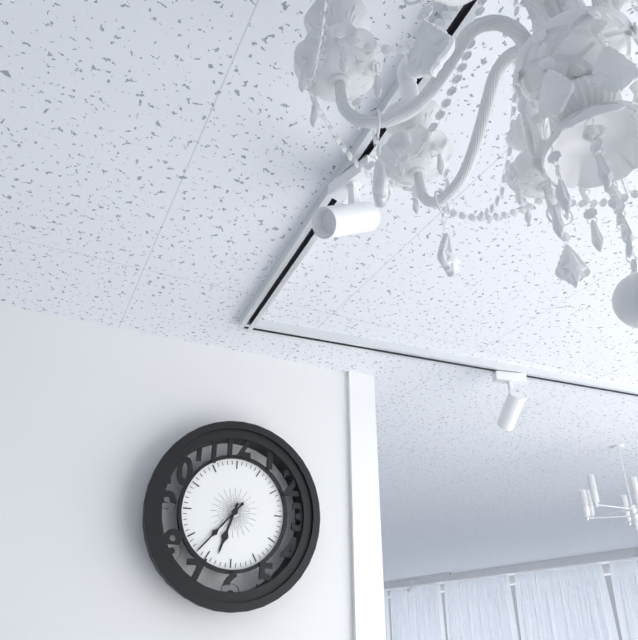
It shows 6h37
